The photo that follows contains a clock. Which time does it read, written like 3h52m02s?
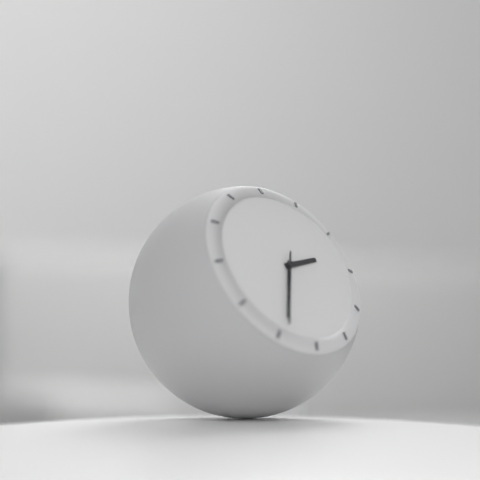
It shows 2h34m34s
